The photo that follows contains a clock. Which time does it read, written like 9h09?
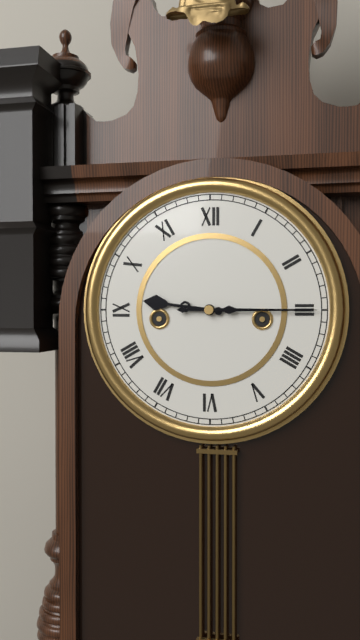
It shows 9h15
